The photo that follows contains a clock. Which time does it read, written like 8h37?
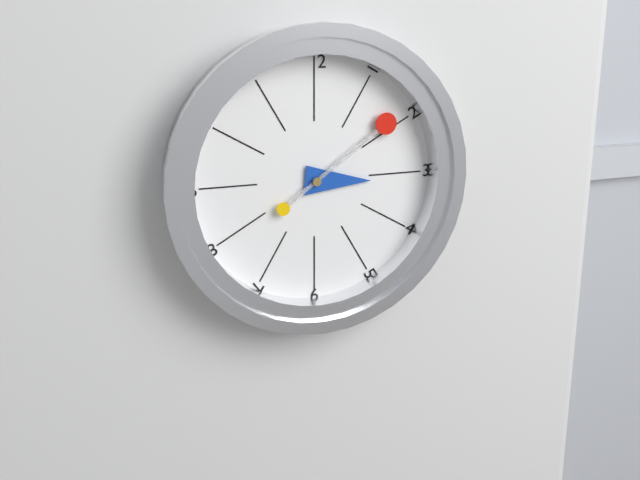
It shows 3h09
